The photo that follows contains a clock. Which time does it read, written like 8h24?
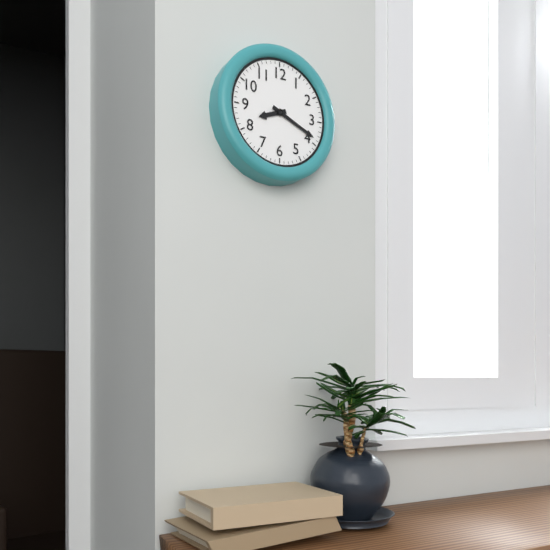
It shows 8h19
